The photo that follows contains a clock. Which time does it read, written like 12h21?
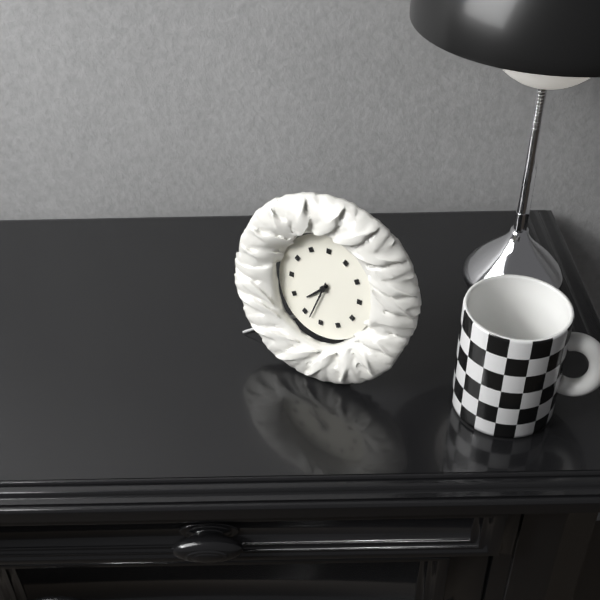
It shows 7h33
